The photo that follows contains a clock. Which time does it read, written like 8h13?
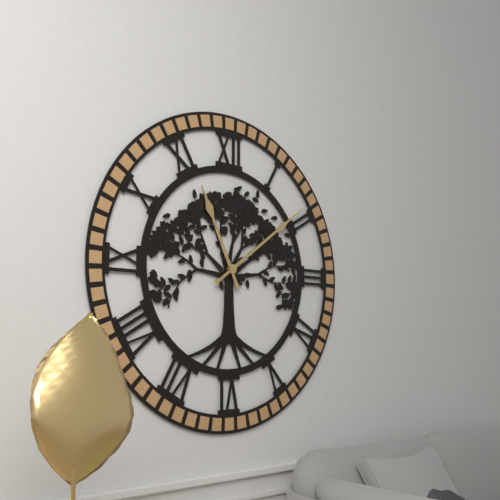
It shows 11h09
